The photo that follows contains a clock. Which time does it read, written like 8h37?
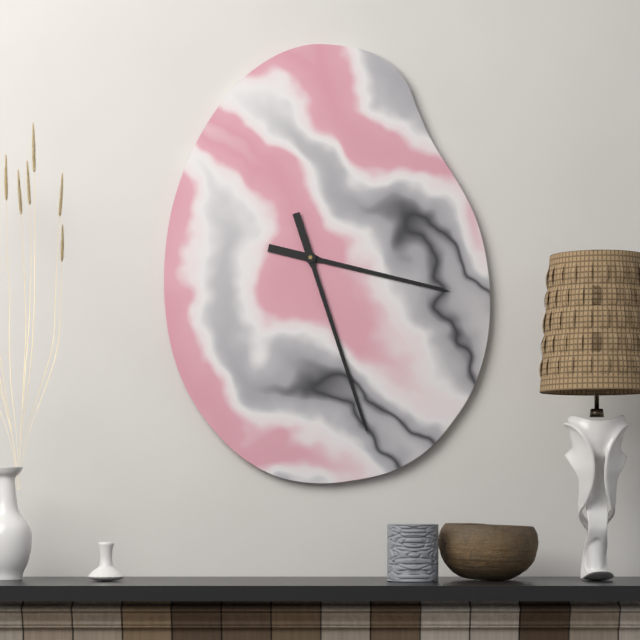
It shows 3h27
